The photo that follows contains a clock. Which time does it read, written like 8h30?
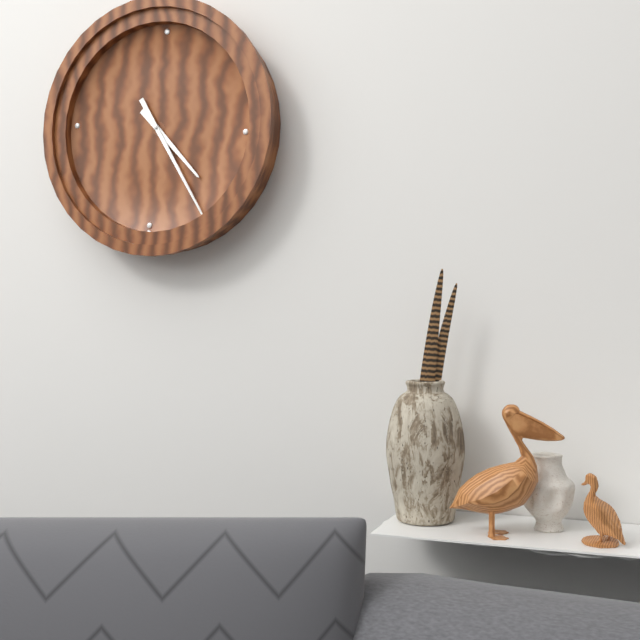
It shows 4h24
